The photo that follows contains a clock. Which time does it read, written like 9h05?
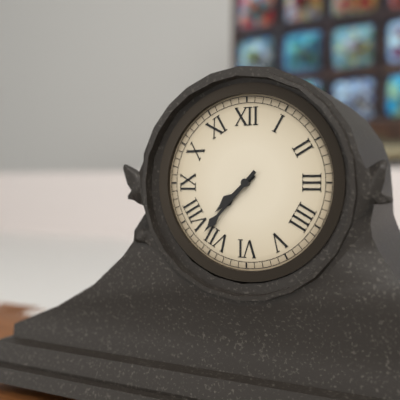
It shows 7h37
